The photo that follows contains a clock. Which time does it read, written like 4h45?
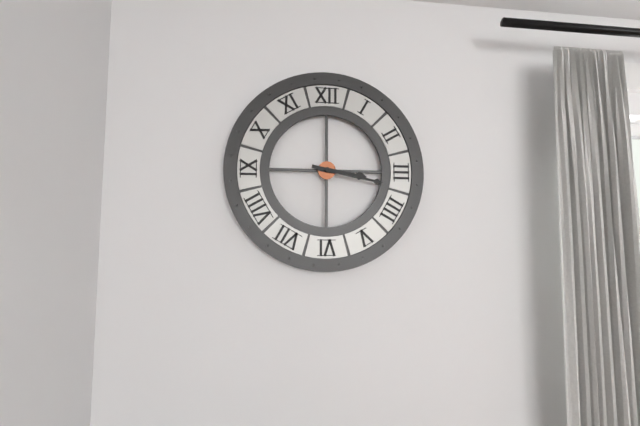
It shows 3h17
